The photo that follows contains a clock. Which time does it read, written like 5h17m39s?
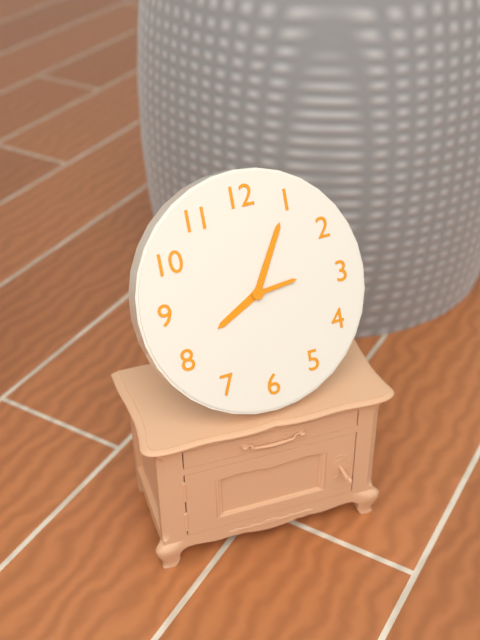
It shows 8h05m14s
